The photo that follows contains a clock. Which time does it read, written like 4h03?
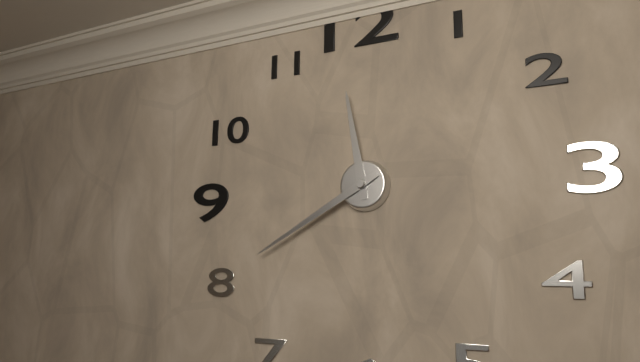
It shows 11h40
